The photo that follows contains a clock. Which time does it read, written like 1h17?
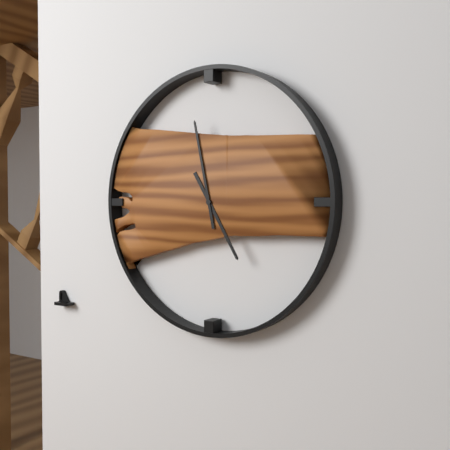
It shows 4h58
